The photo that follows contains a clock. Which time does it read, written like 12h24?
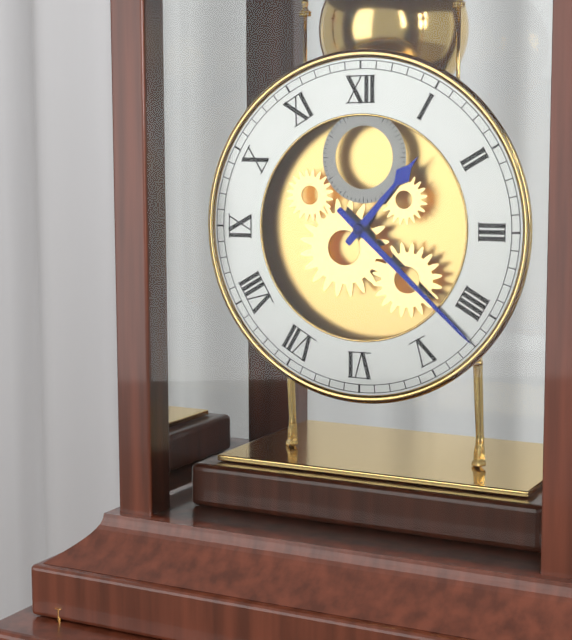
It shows 1h22
